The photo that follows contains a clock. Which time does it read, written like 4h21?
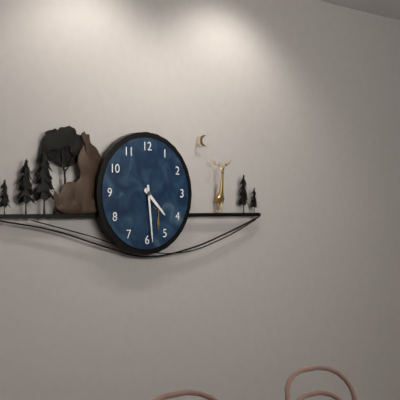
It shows 4h29
